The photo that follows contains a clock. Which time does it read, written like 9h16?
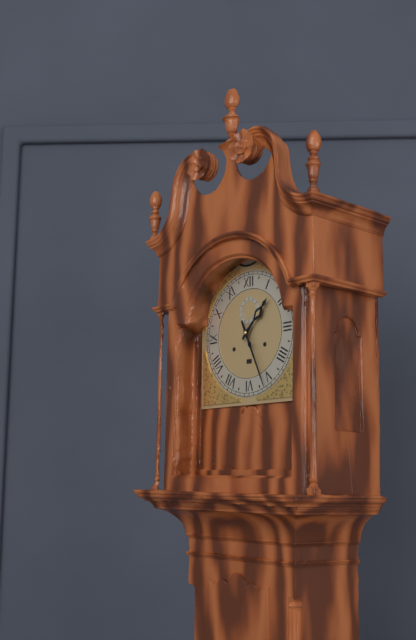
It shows 1h26
